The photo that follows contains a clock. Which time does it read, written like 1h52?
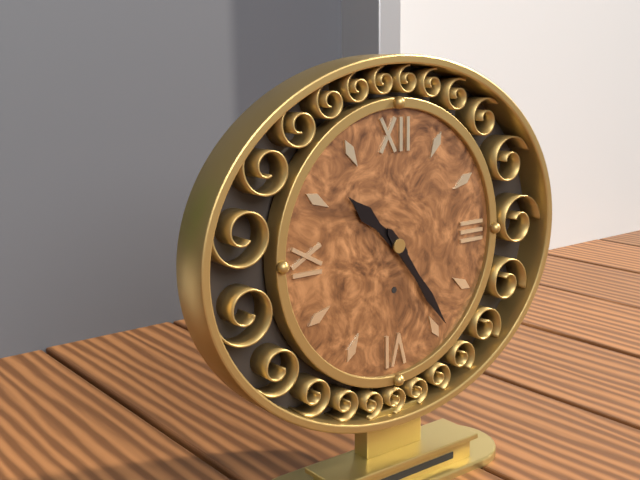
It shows 10h24
